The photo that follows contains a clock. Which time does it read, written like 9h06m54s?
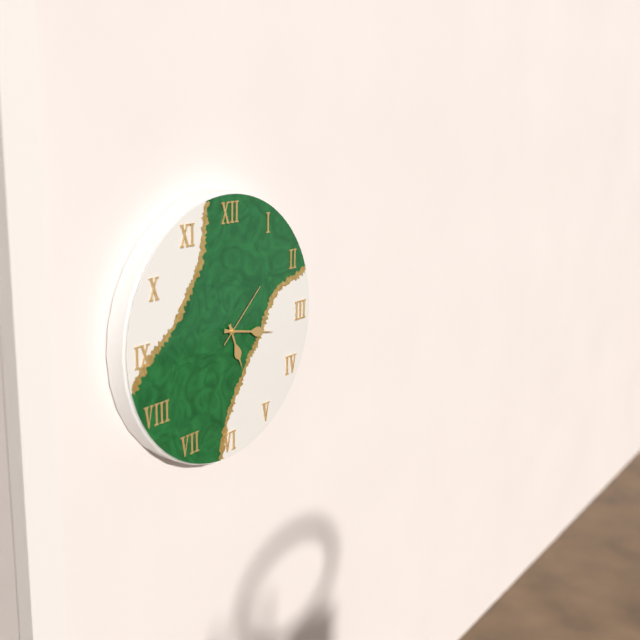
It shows 5h17m08s
